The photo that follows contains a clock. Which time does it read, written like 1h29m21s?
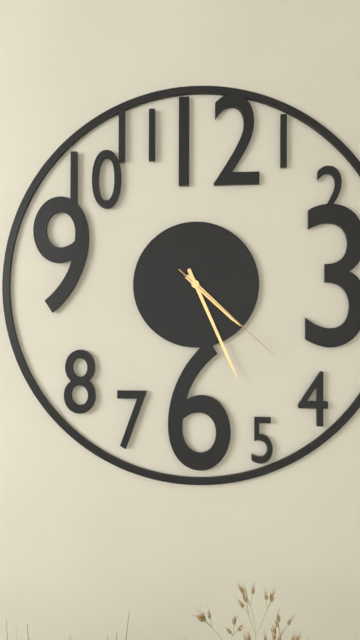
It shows 4h26m22s
